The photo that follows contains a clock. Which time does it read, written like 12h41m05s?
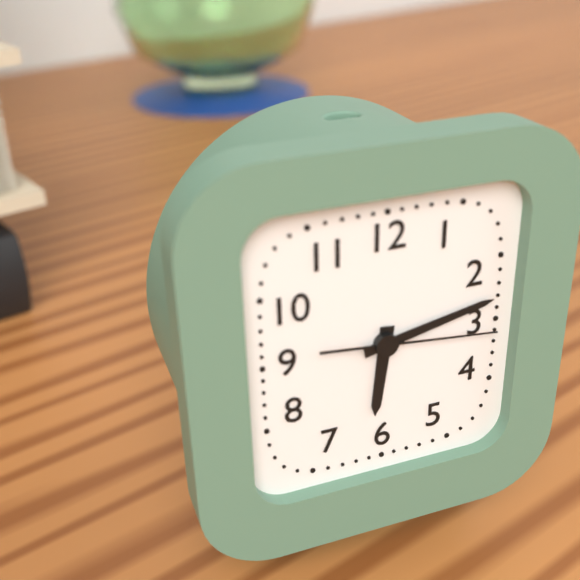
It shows 6h13m16s
